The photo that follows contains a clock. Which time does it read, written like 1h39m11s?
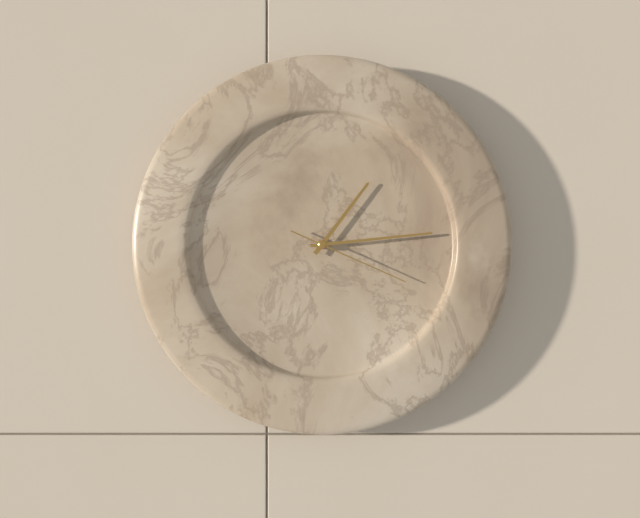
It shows 1h14m19s
